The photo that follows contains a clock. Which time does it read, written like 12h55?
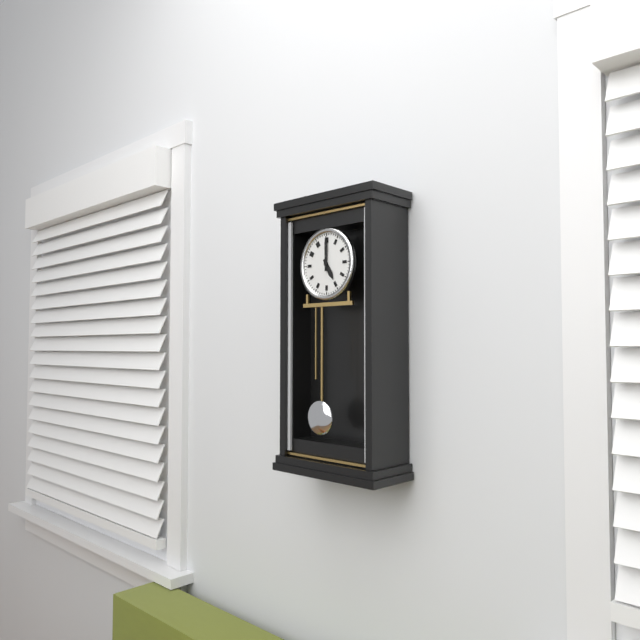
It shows 5h00
